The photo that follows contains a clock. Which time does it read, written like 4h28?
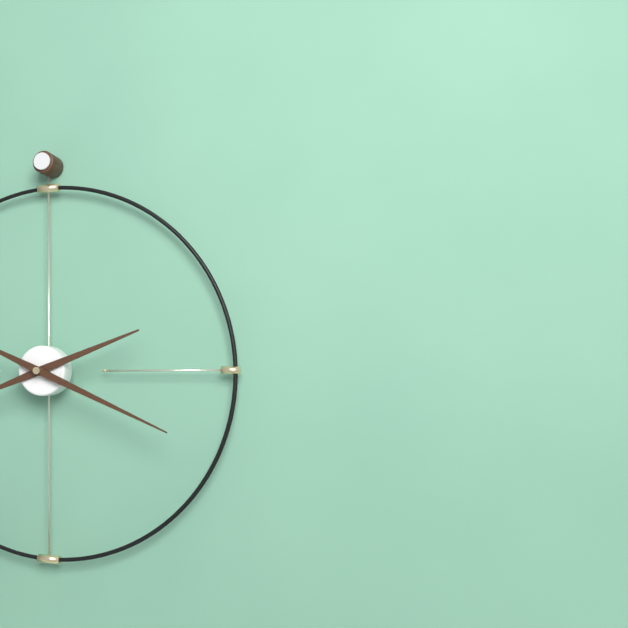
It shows 2h19
